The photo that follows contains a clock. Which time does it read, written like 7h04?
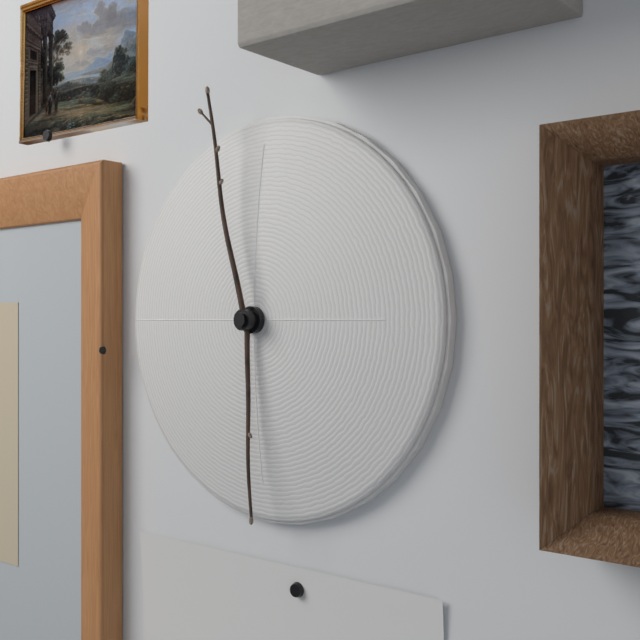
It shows 5h58
